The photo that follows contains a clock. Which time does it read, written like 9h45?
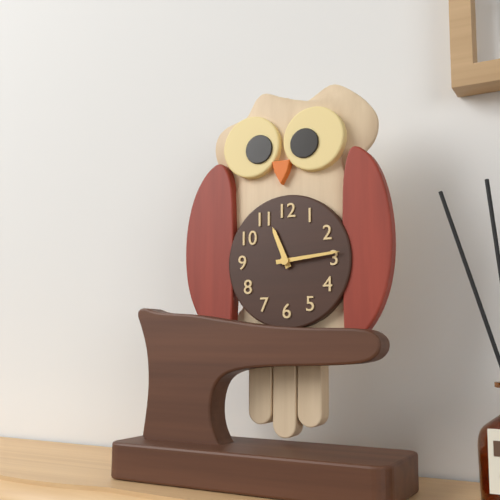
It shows 11h14
